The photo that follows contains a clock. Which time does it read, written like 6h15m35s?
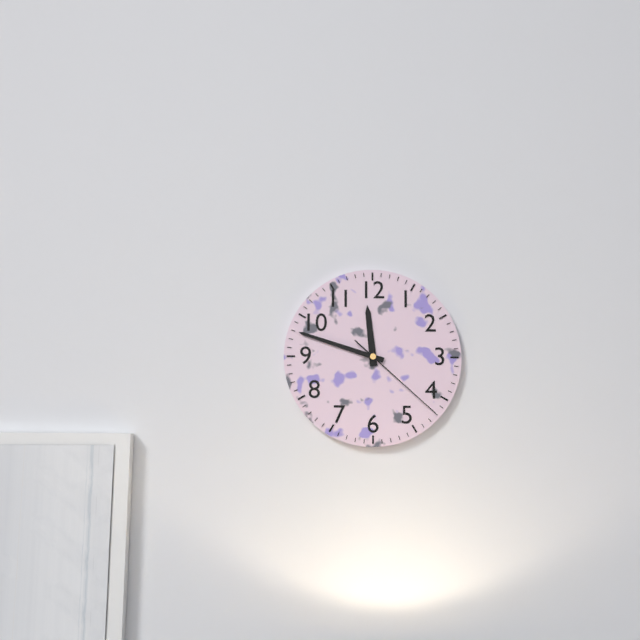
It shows 11h48m22s
